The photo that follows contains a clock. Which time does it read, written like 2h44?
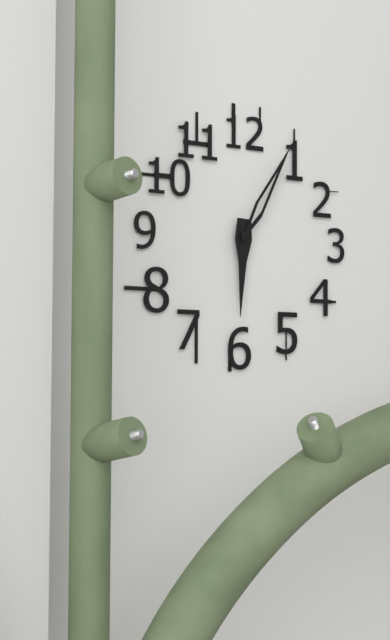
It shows 6h05
